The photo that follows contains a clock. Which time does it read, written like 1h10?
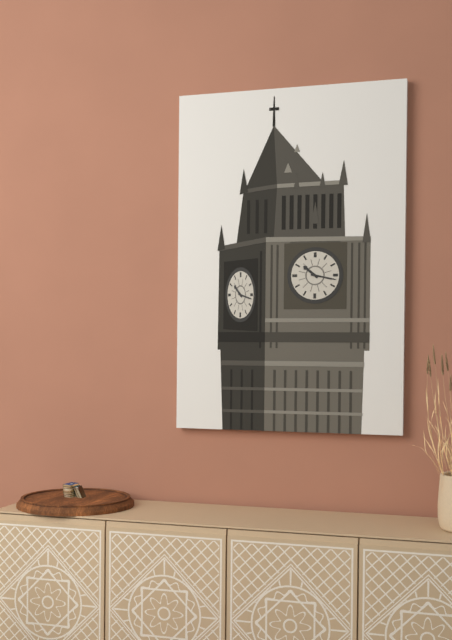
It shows 10h17
